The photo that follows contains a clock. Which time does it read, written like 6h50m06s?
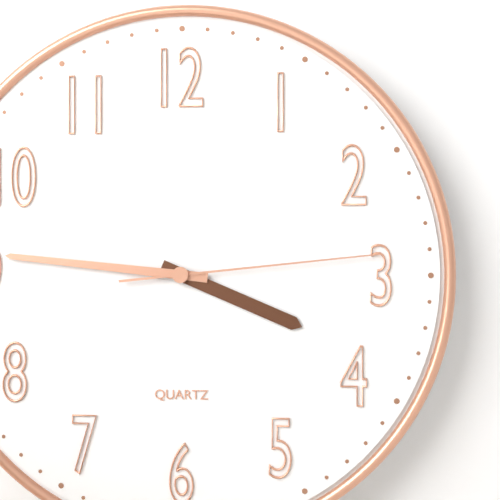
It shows 3h46m14s
